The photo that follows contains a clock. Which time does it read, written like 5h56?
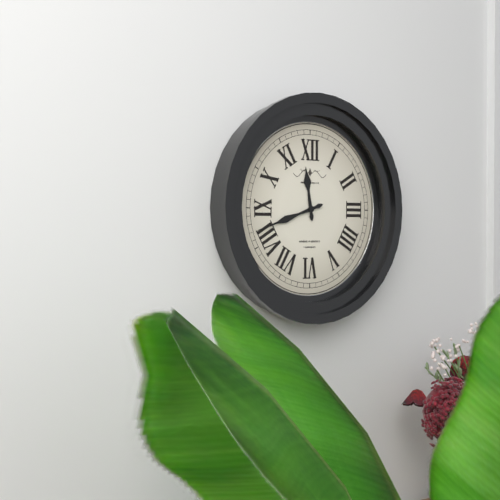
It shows 11h42
